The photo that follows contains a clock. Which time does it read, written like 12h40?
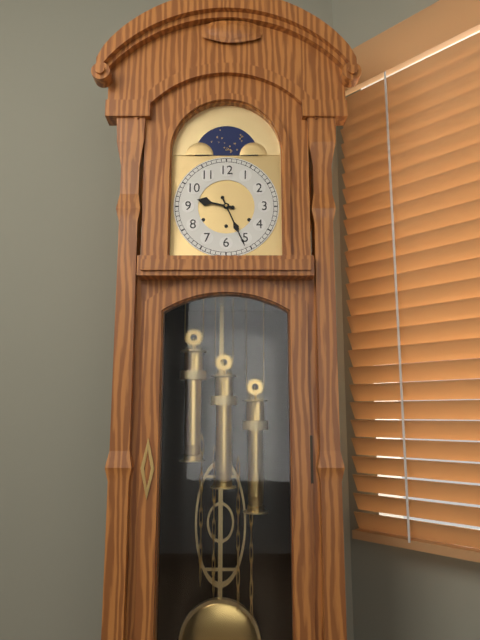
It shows 9h26
